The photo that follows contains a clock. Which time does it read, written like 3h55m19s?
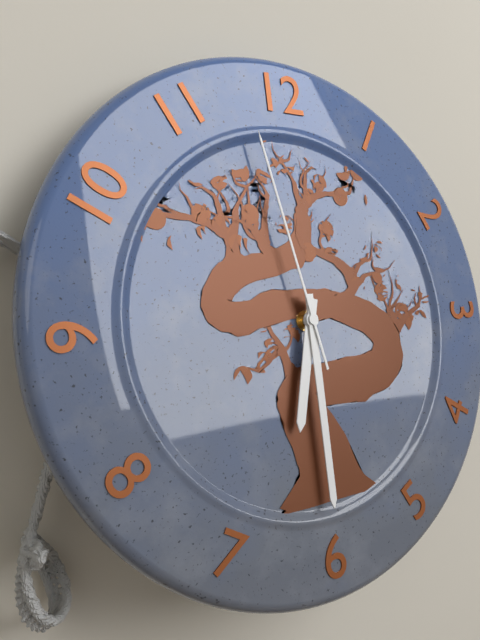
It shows 6h30m58s
